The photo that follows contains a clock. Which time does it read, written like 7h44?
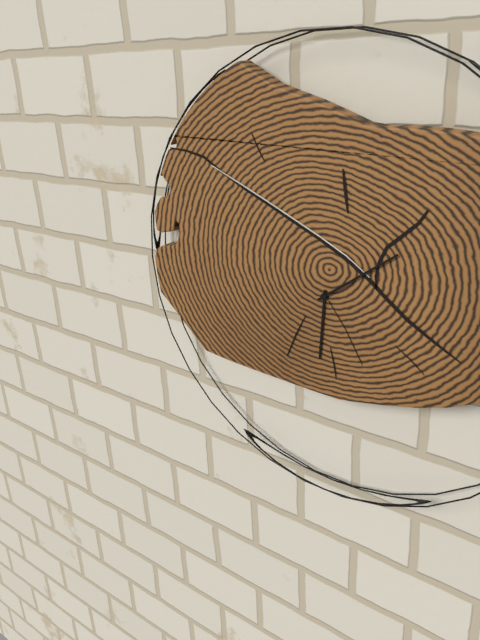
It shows 6h09
